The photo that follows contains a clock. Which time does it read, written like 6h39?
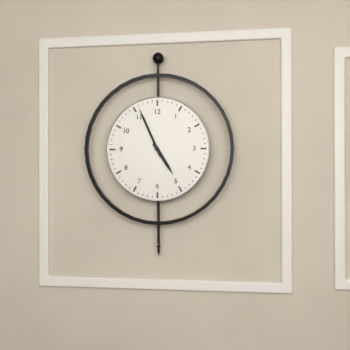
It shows 4h56
